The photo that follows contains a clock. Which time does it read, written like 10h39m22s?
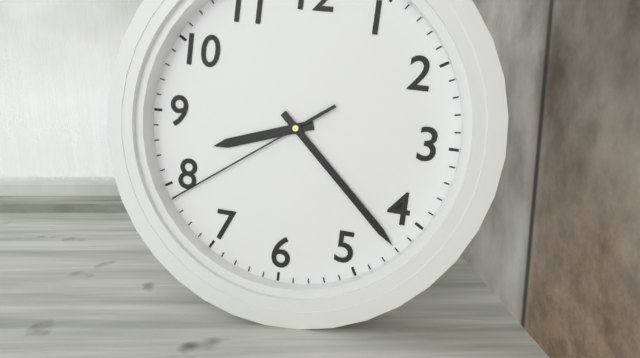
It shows 8h22m39s
